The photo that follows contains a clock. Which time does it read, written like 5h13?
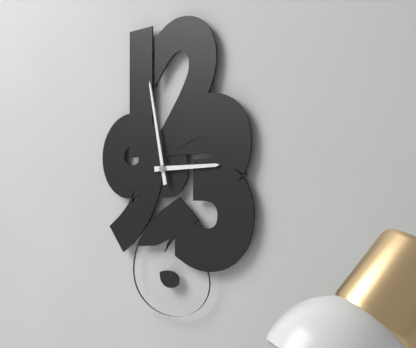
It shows 2h58
